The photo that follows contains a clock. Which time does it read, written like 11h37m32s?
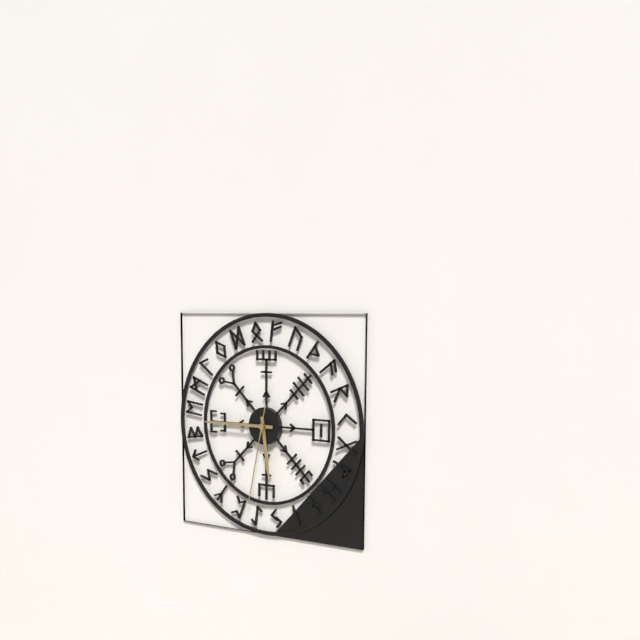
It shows 5h45m32s
